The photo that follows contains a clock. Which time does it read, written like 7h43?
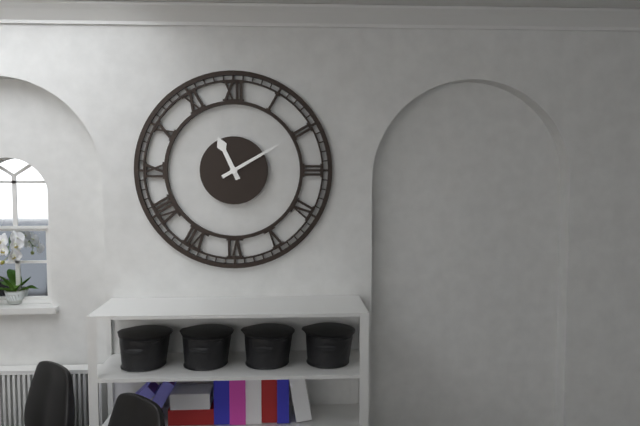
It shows 11h10
